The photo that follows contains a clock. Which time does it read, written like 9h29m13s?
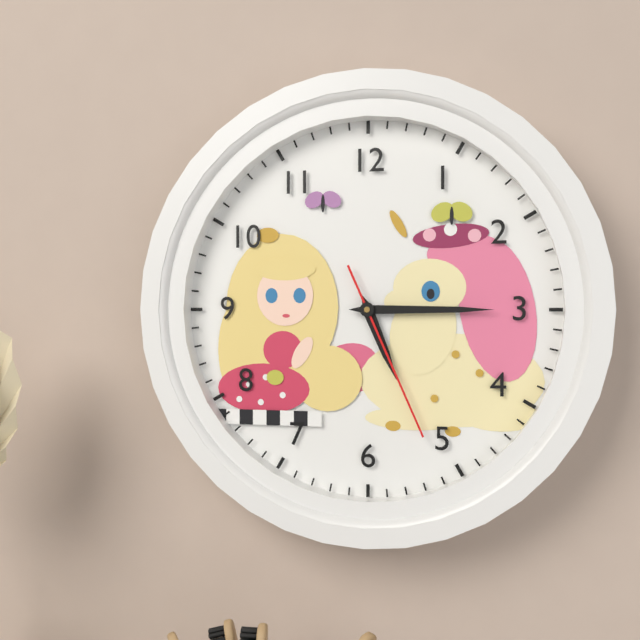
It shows 5h15m26s
